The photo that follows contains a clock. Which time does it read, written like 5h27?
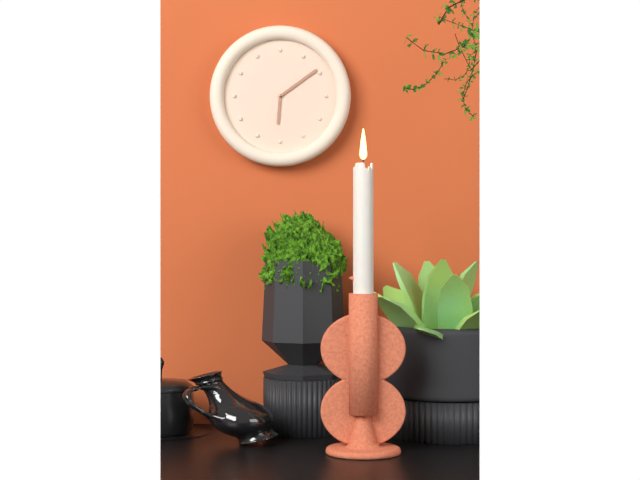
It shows 6h09
